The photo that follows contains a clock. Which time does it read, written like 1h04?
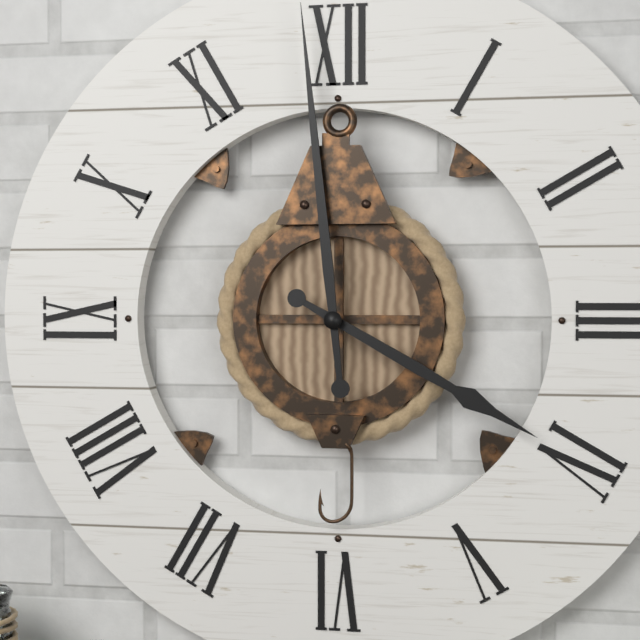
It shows 3h59
